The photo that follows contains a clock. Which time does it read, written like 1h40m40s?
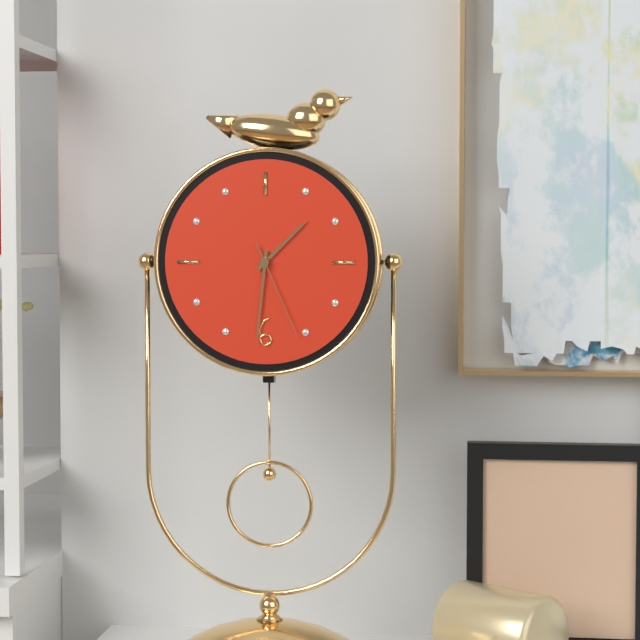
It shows 1h31m26s
